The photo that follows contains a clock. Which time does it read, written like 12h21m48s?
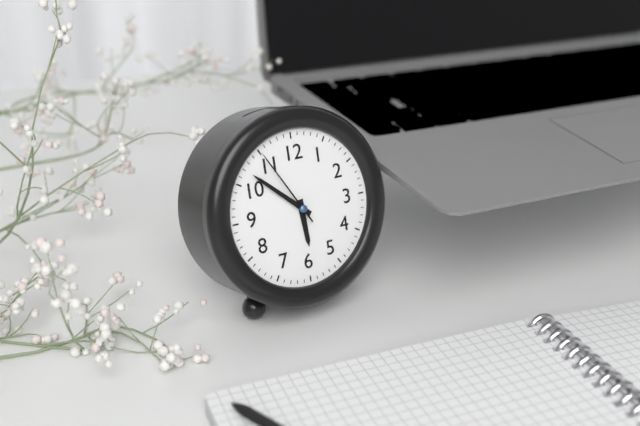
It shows 5h52m55s
